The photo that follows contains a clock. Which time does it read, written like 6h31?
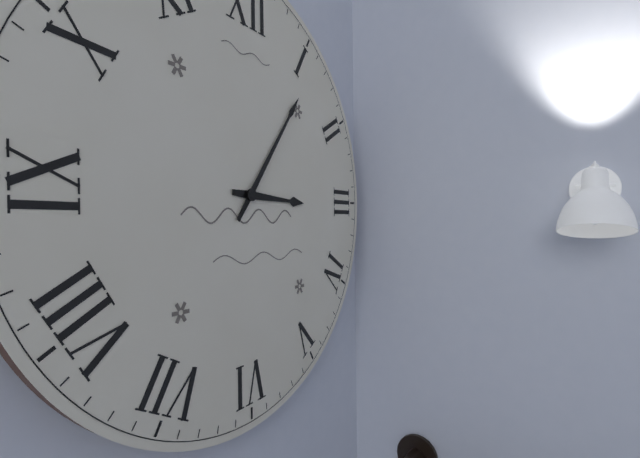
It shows 3h06
